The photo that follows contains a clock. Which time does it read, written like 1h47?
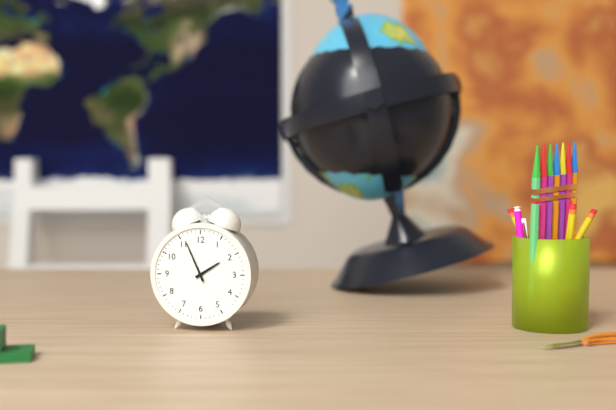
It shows 1h56
